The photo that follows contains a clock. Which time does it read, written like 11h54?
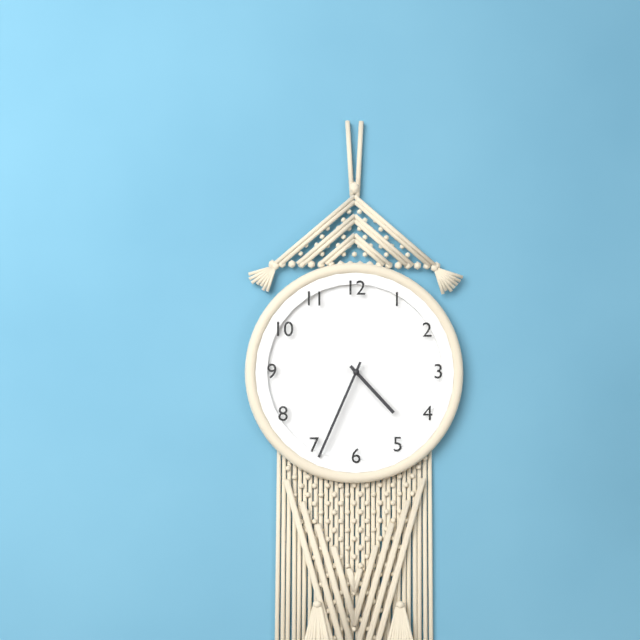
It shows 4h34
